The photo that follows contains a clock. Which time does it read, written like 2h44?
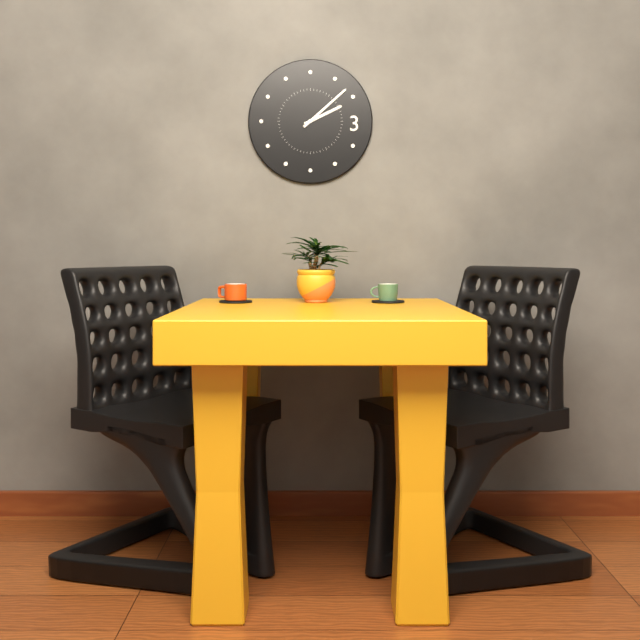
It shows 2h08
